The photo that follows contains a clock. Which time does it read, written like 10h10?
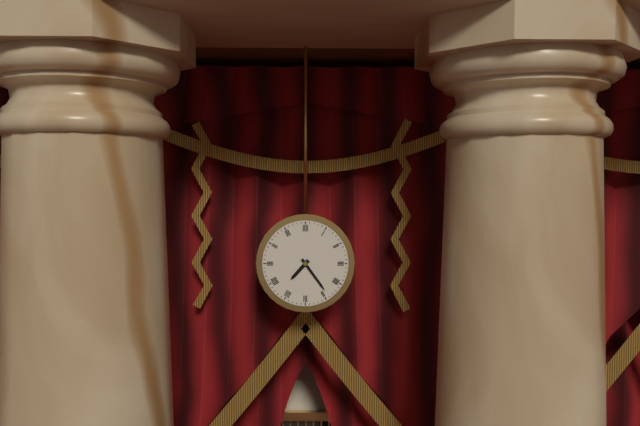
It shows 7h24
